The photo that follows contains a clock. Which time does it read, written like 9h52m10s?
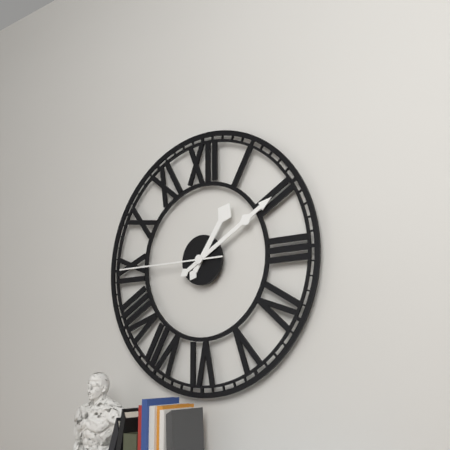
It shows 1h10m45s
